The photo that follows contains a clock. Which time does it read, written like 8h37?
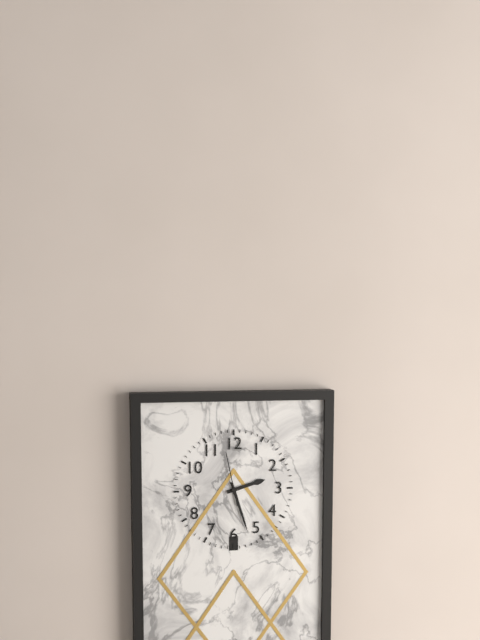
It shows 2h27
